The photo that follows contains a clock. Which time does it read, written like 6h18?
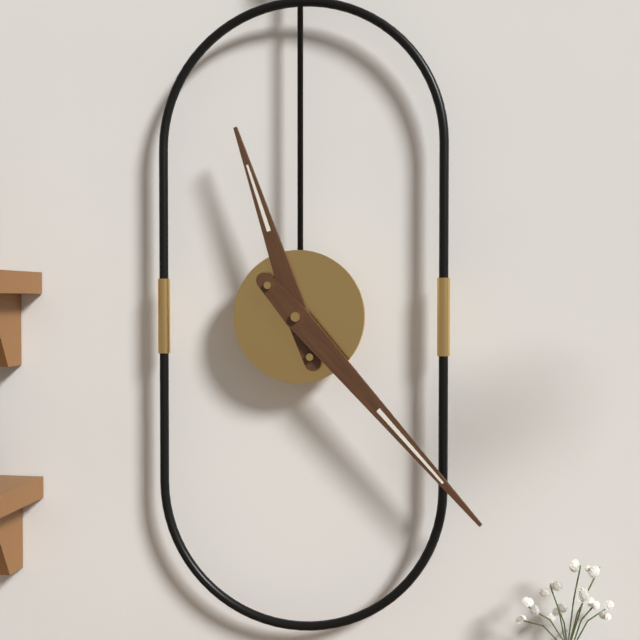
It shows 11h23
